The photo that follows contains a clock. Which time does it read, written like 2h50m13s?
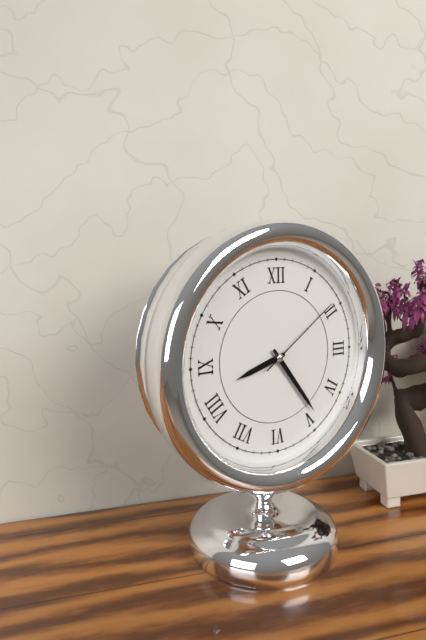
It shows 8h24m09s
